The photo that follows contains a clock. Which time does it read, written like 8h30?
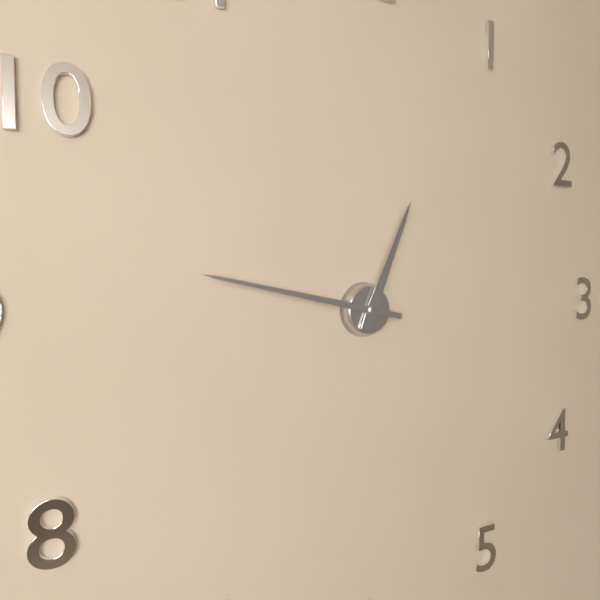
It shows 12h47
